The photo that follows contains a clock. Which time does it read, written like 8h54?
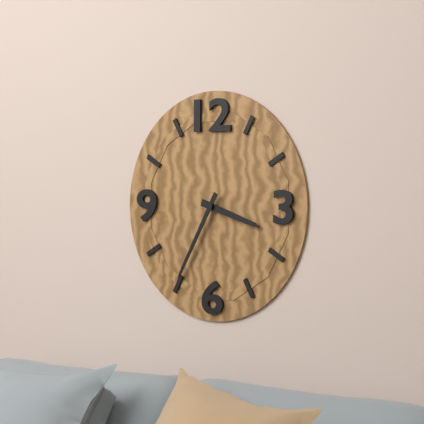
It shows 3h35
